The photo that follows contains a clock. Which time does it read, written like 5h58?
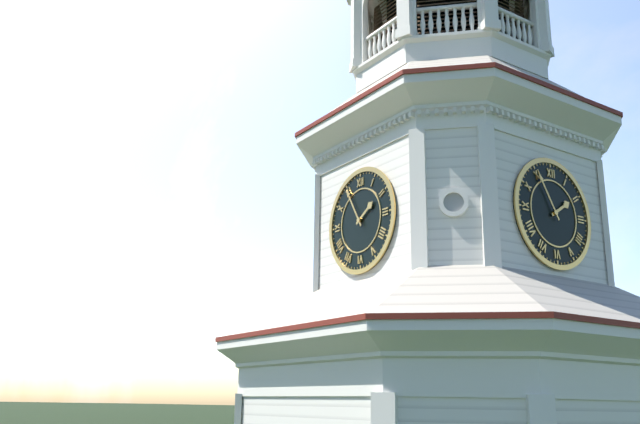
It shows 1h55
